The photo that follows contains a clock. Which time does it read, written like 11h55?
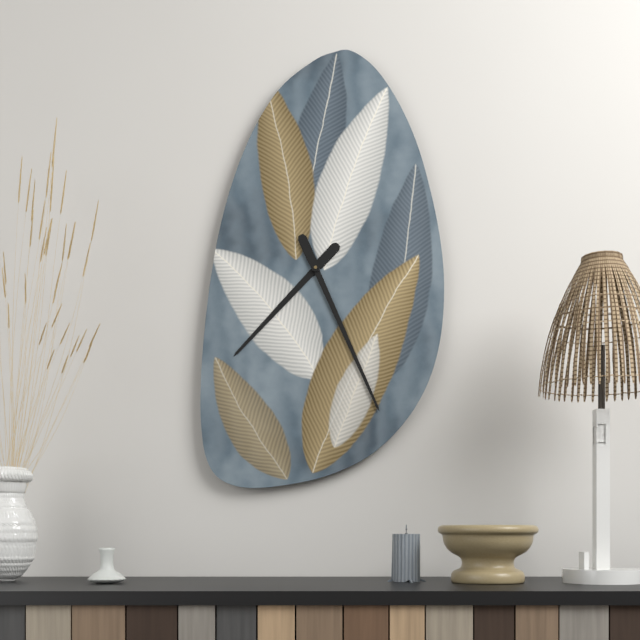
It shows 7h26
